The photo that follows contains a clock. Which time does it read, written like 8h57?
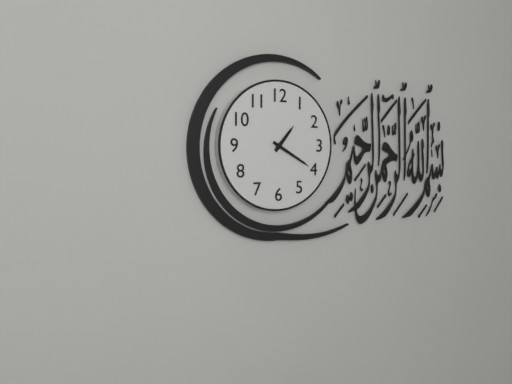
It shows 1h20
